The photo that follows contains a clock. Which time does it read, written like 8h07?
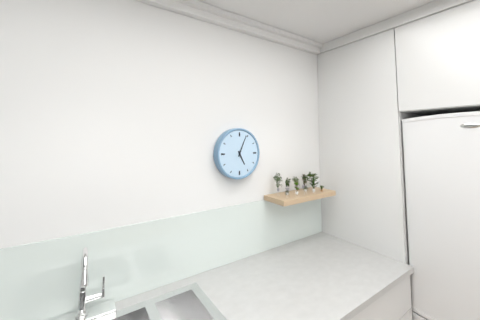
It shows 5h04
